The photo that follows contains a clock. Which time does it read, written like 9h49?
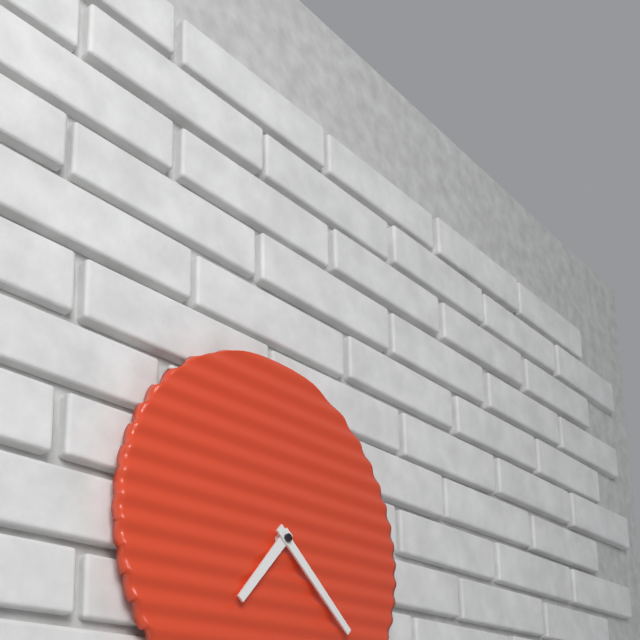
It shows 7h22
